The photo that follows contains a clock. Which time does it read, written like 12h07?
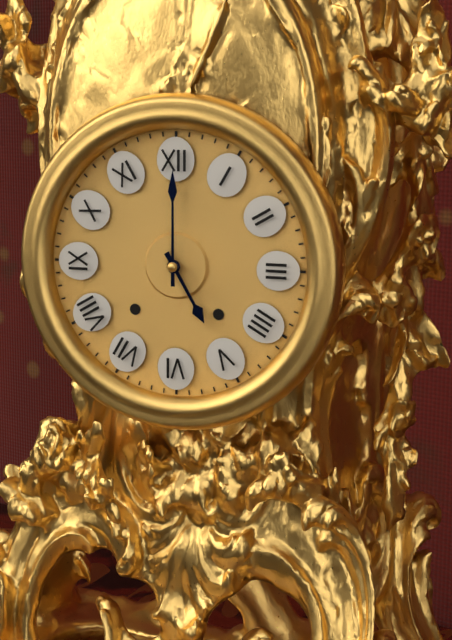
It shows 5h00
